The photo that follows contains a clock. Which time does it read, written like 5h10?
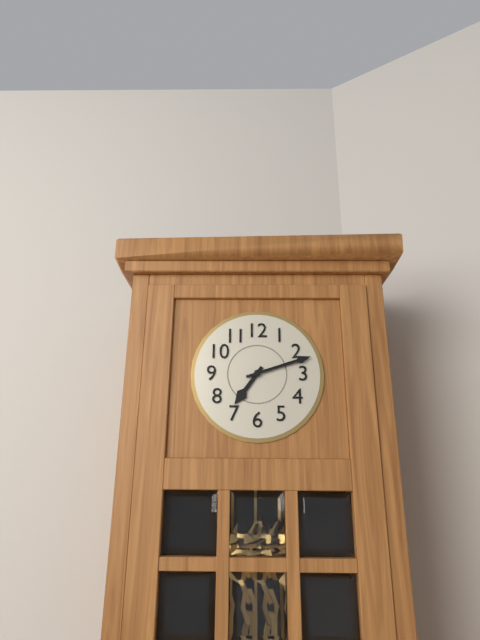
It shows 7h12
